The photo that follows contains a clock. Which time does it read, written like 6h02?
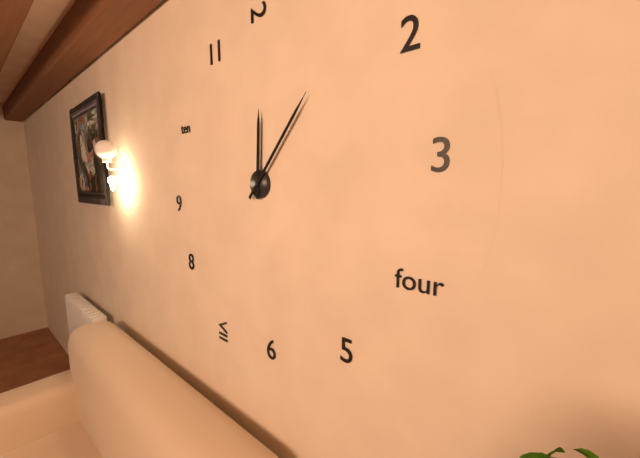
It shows 12h07
